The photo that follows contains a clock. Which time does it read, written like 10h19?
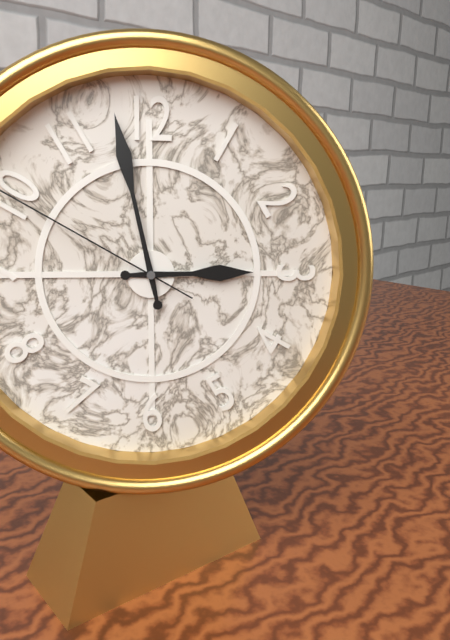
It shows 2h58
